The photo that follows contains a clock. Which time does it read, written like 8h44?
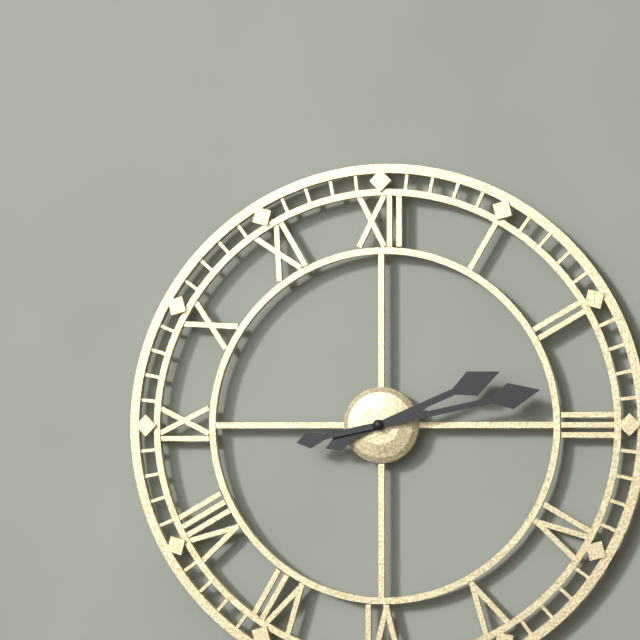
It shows 2h13
